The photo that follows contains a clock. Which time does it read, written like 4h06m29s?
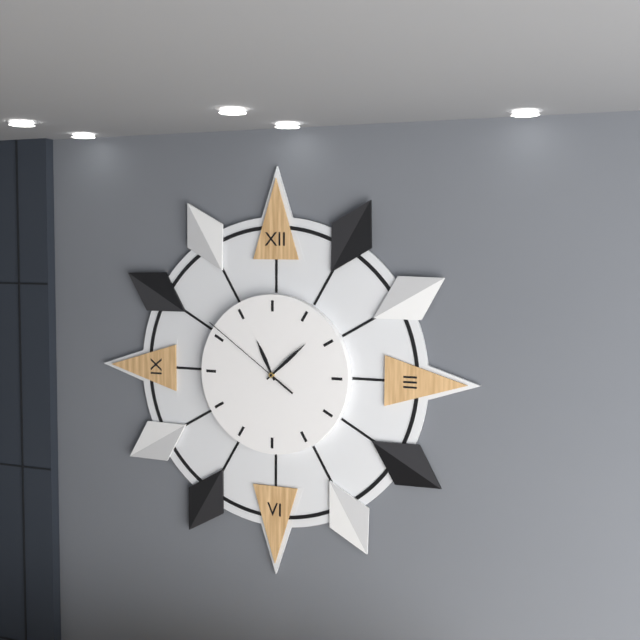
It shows 11h08m51s
